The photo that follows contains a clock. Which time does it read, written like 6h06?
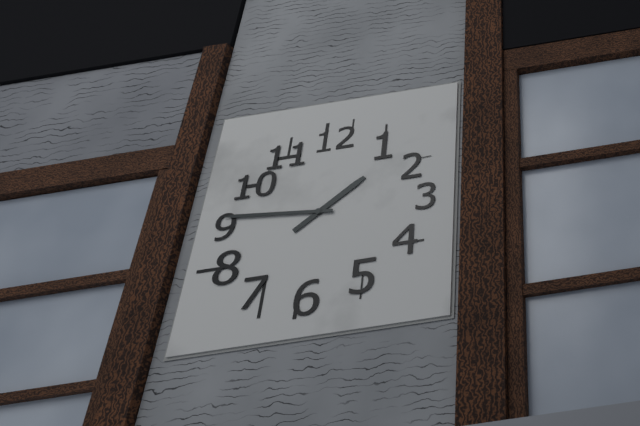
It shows 1h46
